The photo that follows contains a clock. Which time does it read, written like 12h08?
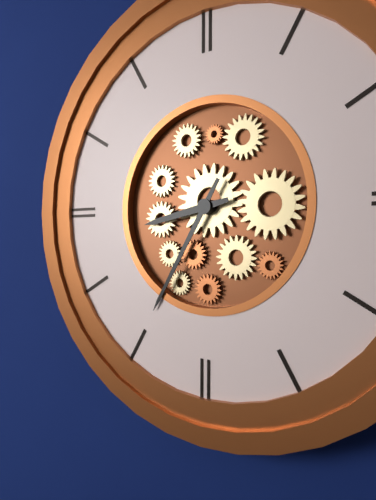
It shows 8h35
